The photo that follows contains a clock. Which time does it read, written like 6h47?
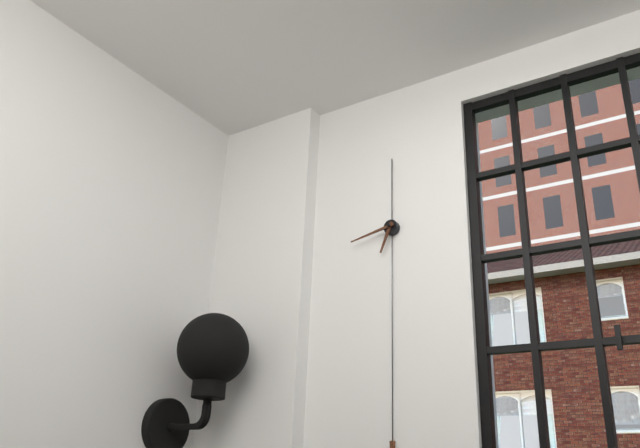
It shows 6h43
